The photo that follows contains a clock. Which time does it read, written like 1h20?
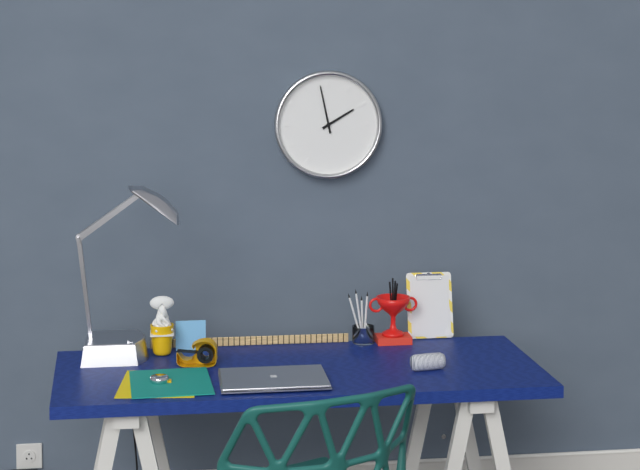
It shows 1h58
